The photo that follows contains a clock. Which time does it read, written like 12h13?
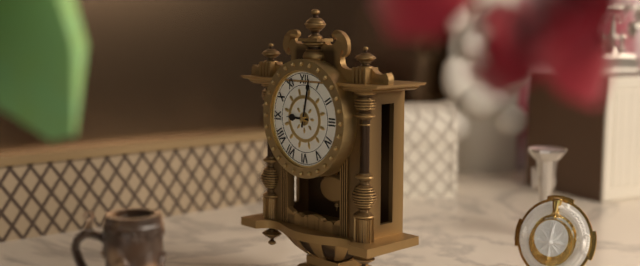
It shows 9h02
